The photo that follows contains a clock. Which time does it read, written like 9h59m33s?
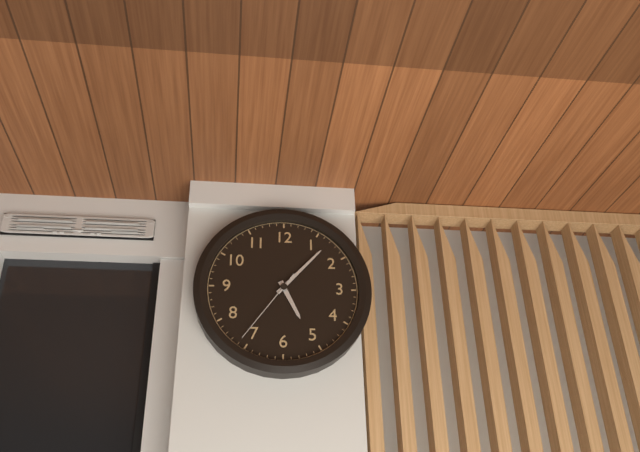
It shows 5h07m36s
